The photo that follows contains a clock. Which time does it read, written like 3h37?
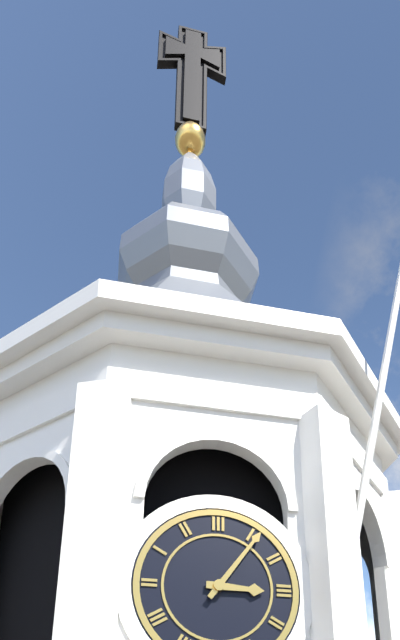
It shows 3h06
